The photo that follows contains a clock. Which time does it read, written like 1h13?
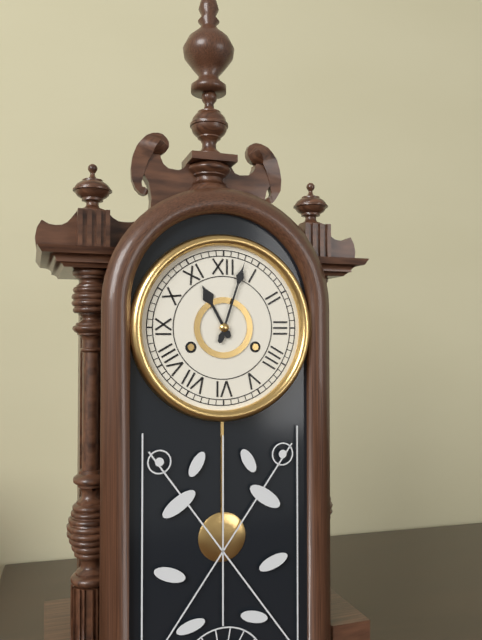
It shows 11h03
